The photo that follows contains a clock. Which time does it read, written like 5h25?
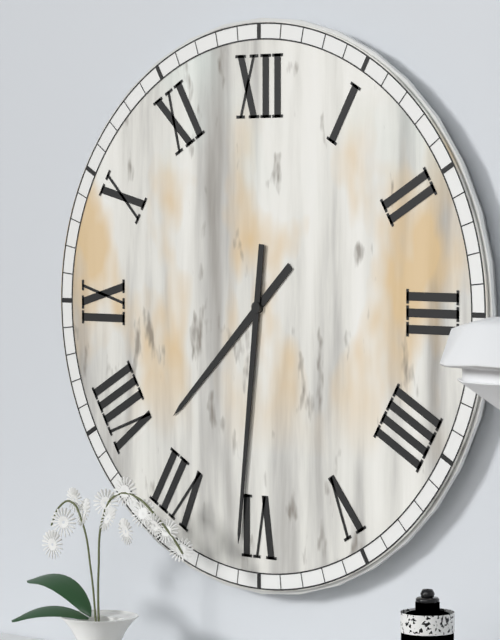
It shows 7h31
